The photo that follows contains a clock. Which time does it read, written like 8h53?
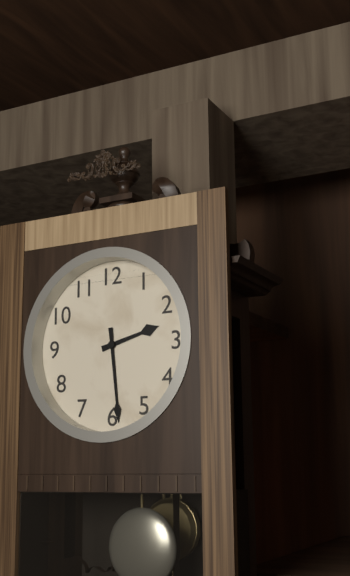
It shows 2h29
